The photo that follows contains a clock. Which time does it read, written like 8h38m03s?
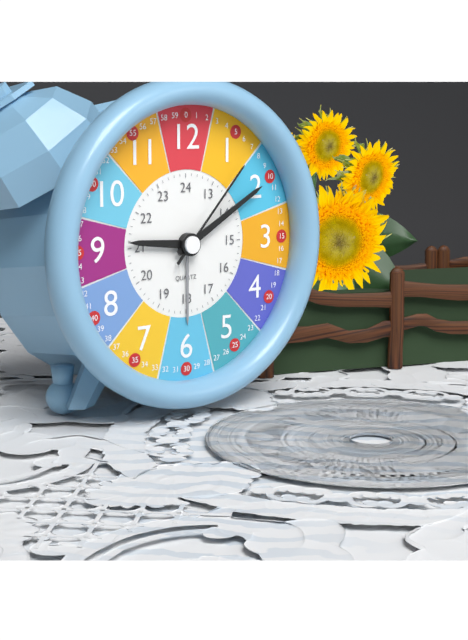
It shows 9h10m07s
